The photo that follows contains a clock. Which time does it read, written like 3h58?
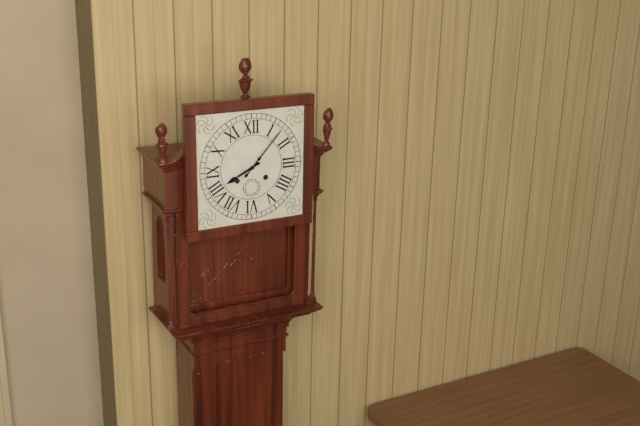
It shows 8h07
